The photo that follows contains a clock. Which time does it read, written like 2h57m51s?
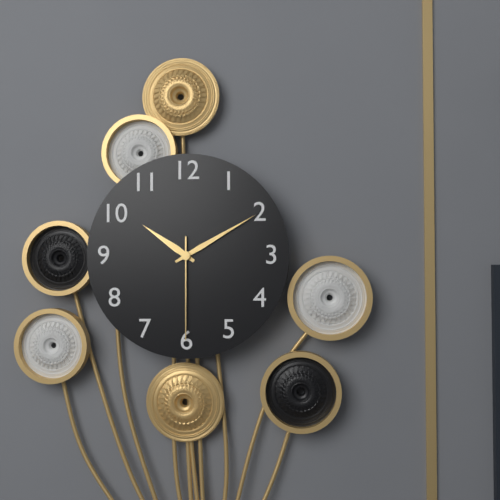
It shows 10h10m30s
